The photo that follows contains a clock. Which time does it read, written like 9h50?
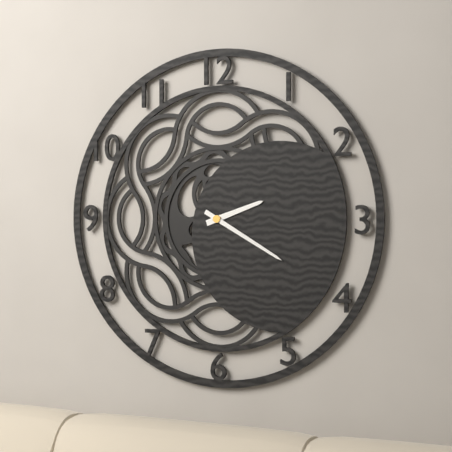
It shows 2h20
